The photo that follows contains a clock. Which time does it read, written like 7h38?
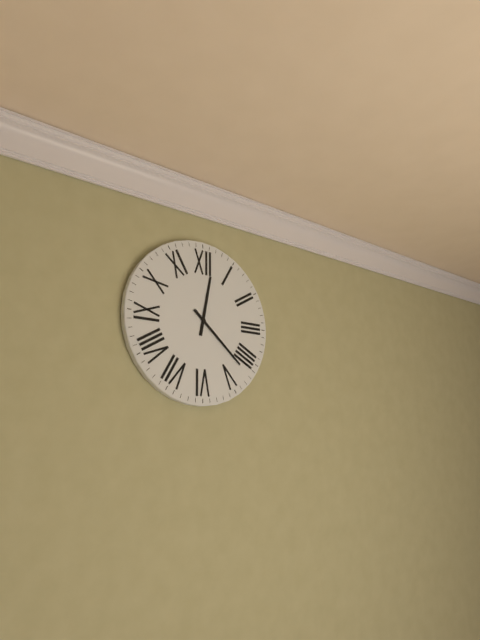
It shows 12h22
